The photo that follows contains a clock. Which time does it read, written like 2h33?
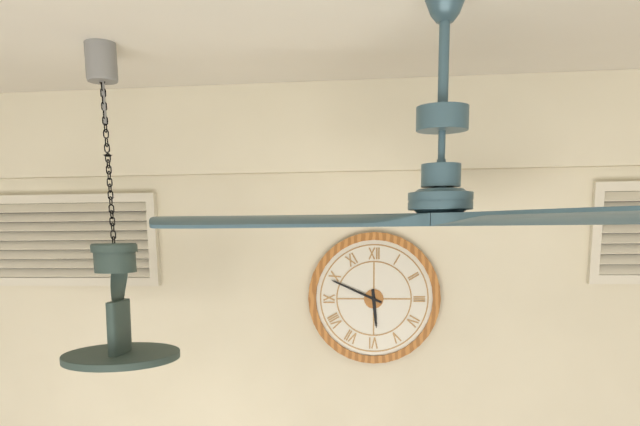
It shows 5h49
